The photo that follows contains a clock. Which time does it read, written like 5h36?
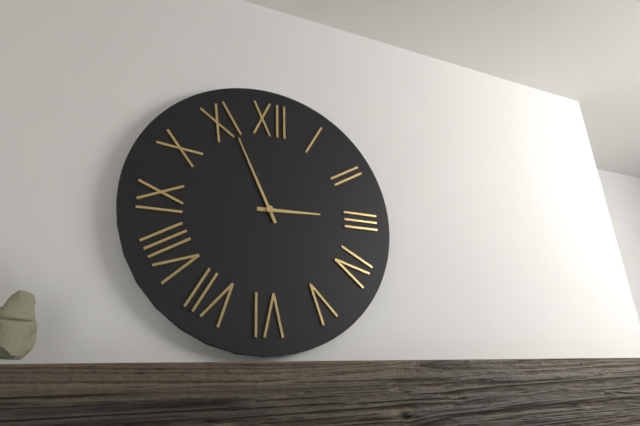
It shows 2h56
